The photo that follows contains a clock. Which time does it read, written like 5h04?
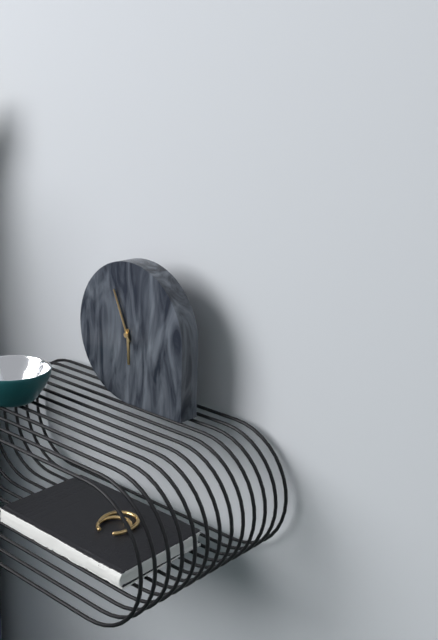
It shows 5h56
